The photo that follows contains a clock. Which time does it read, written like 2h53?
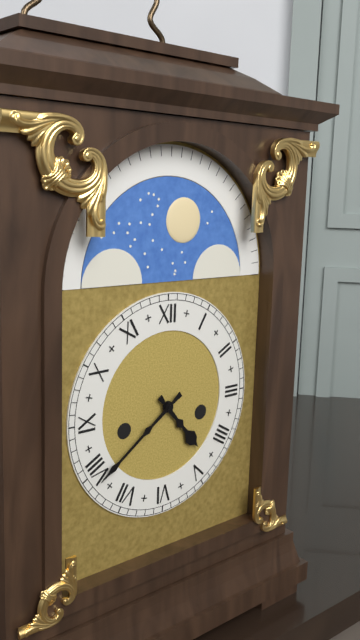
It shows 4h39
